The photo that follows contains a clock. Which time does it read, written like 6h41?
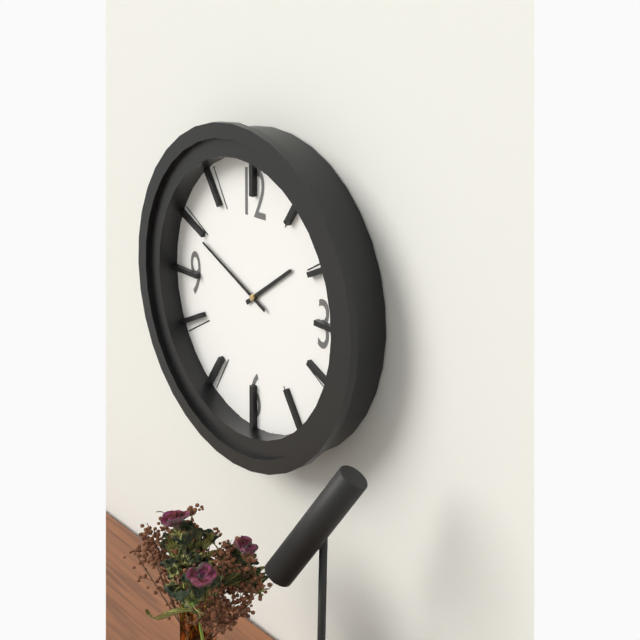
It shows 1h49
